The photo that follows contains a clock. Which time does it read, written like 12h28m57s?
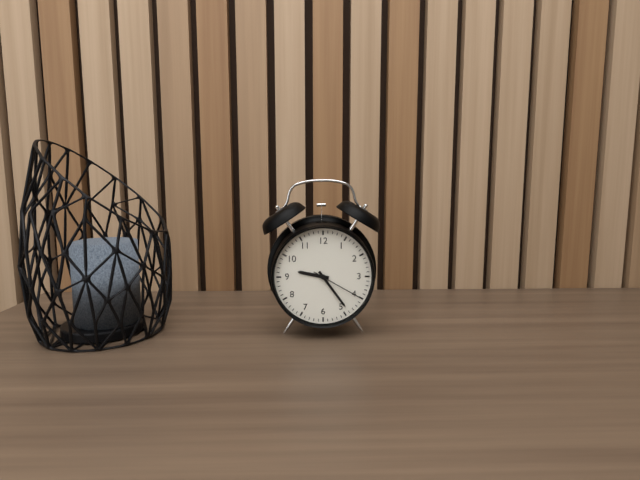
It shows 9h24m20s
